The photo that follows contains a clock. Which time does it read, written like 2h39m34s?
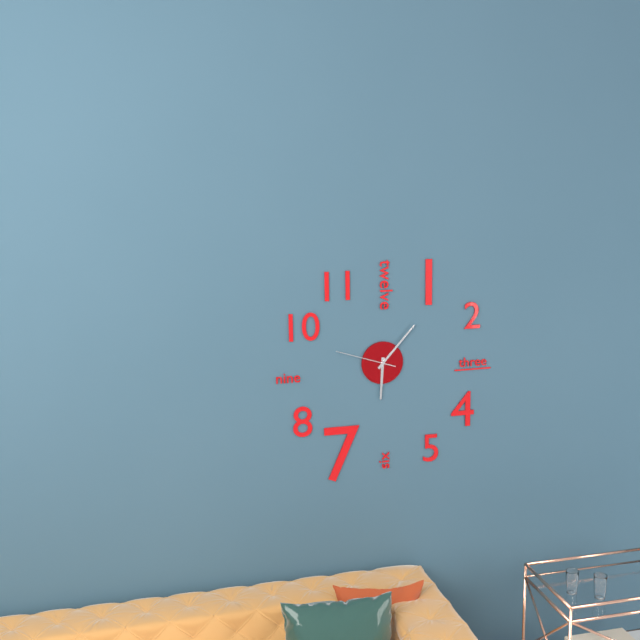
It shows 6h07m48s
